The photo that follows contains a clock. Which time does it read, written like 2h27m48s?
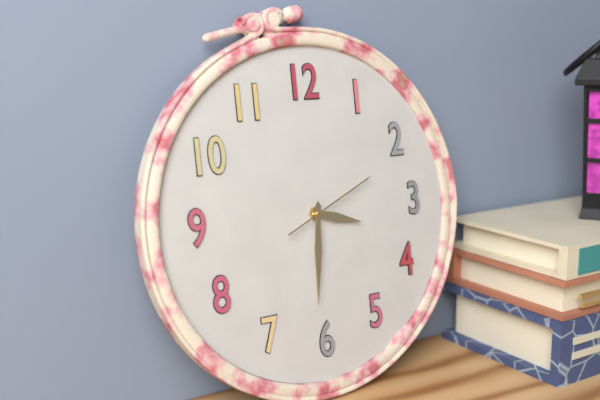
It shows 3h31m11s
